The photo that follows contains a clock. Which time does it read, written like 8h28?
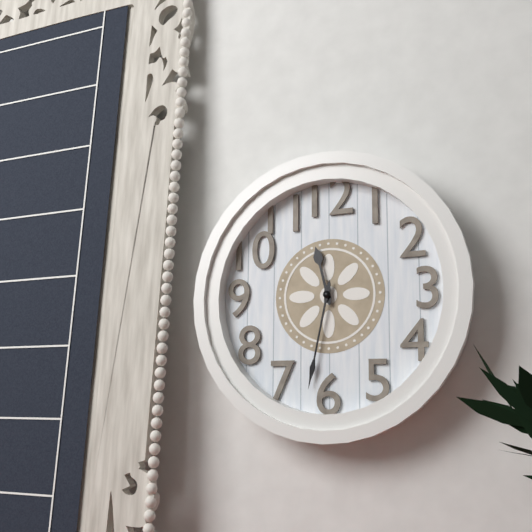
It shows 11h32
